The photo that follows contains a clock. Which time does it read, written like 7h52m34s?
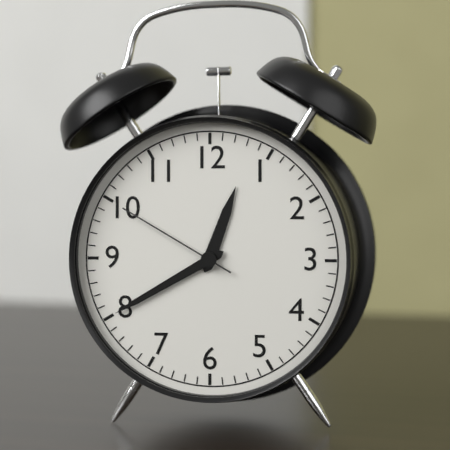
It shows 12h40m50s
